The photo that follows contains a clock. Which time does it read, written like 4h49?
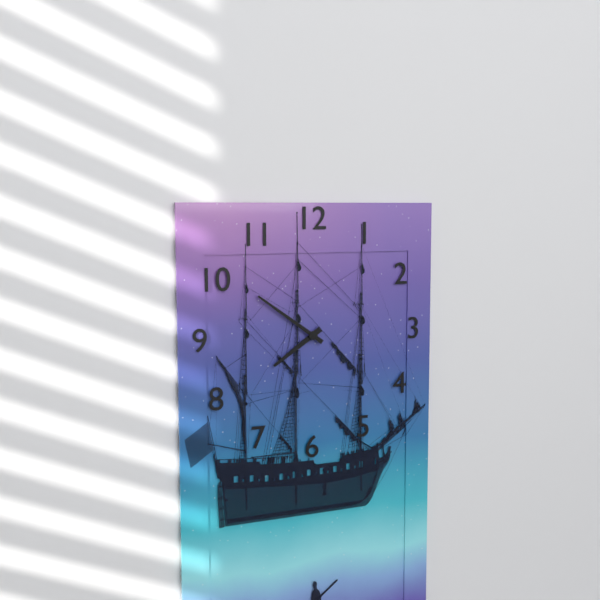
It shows 7h51
